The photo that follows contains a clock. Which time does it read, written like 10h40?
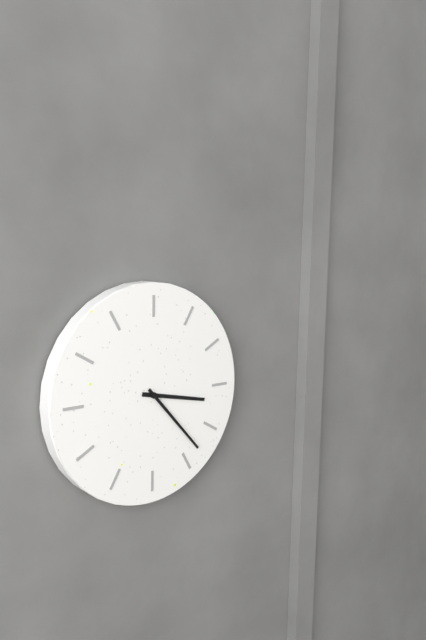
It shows 3h23
